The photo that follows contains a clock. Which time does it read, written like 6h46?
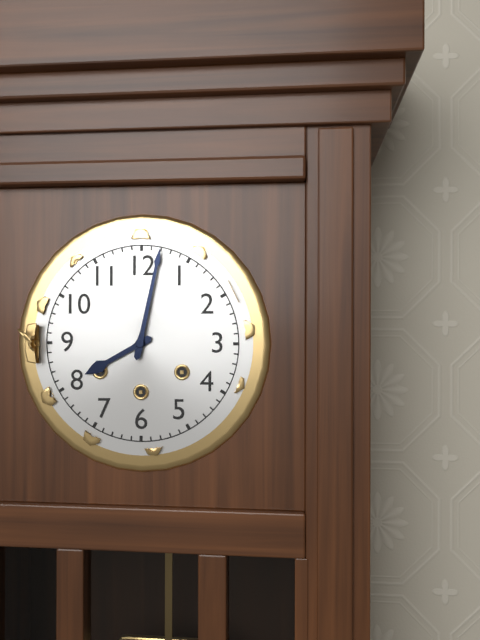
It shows 8h02
